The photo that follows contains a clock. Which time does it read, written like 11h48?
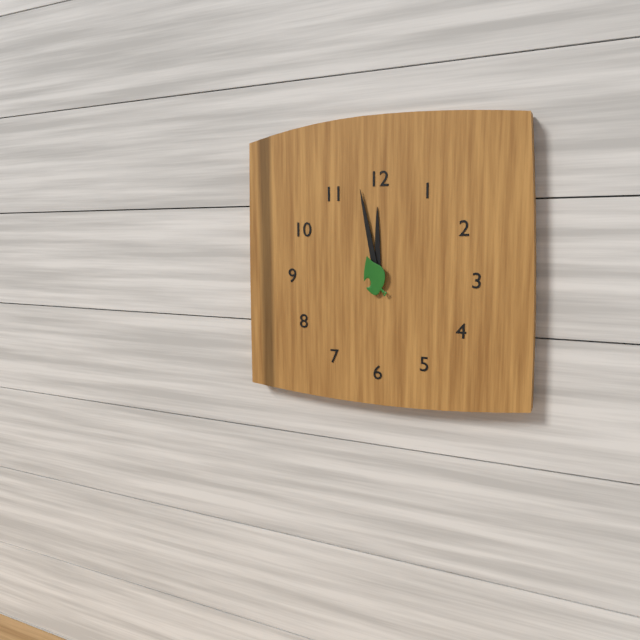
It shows 11h58
